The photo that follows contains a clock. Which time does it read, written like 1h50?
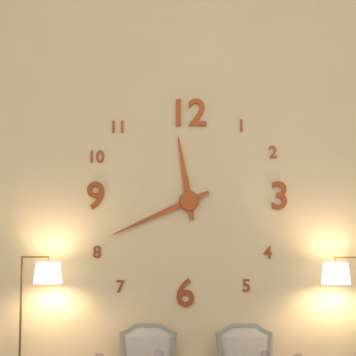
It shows 11h41
